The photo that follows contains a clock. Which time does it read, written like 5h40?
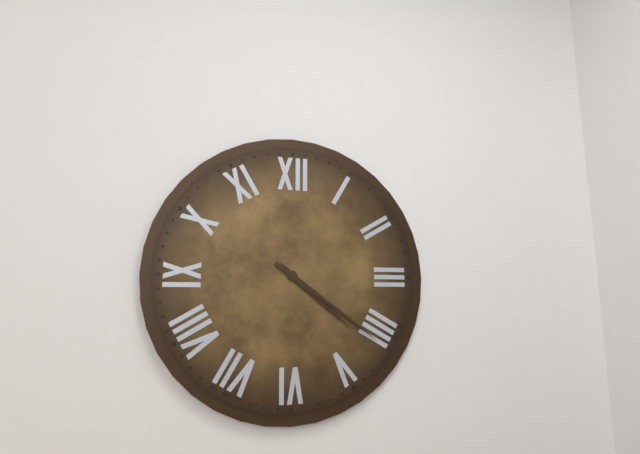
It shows 4h21
